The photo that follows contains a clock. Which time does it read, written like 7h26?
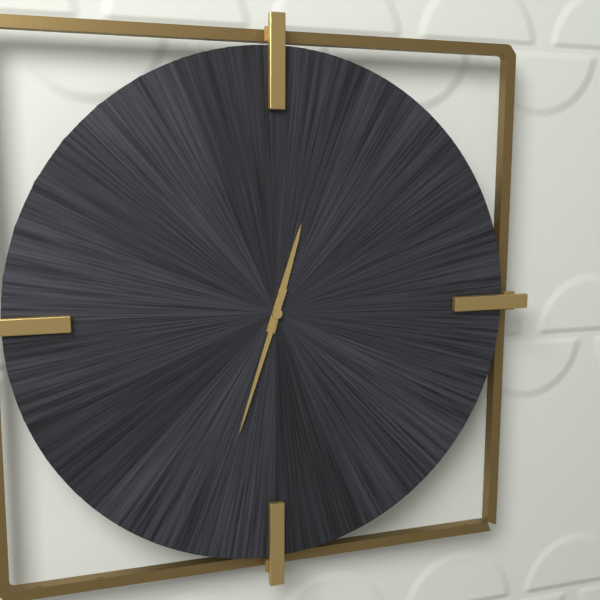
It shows 12h33
